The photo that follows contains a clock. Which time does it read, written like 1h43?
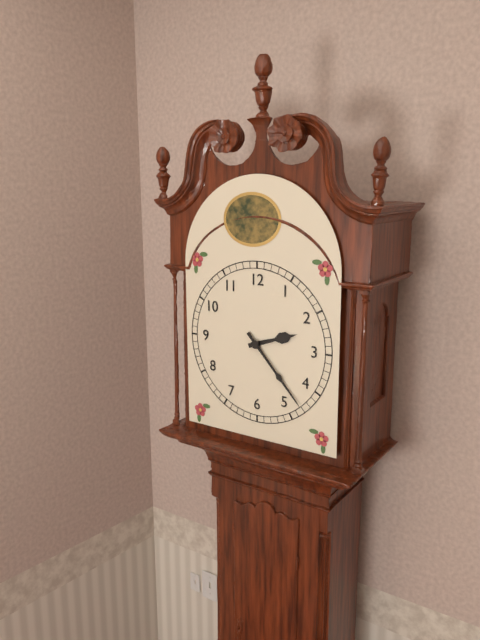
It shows 2h23
